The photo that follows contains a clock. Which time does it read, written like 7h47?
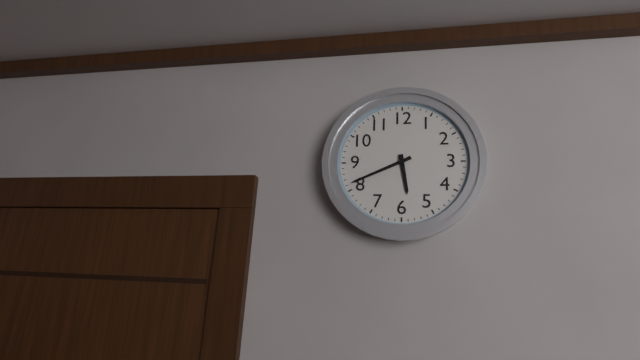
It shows 5h41
